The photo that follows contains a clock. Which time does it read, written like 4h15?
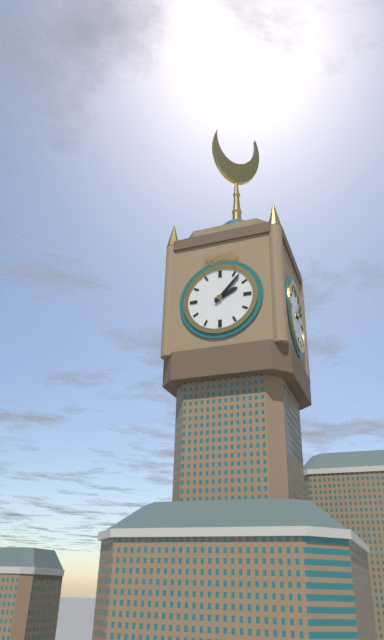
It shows 2h07
